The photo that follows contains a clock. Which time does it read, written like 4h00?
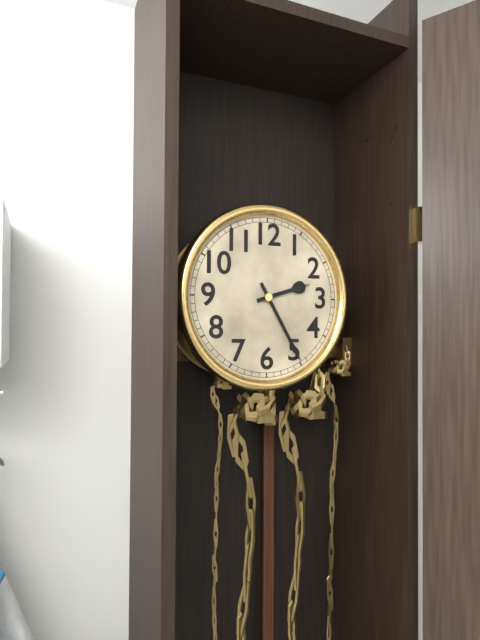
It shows 2h25
